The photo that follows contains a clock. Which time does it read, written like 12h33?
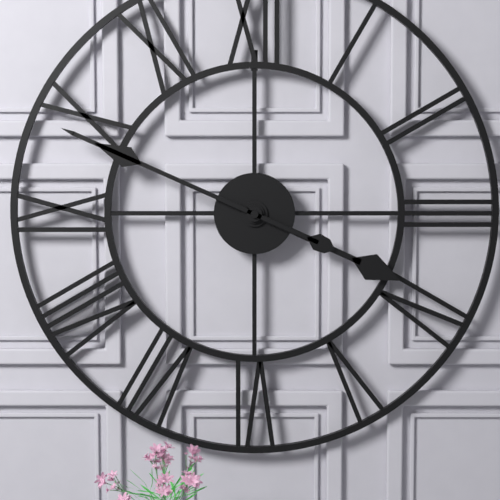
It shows 3h49
